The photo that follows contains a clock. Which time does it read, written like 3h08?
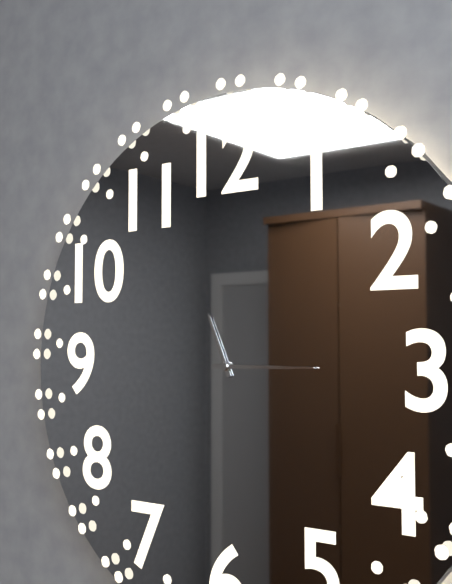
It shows 11h15
